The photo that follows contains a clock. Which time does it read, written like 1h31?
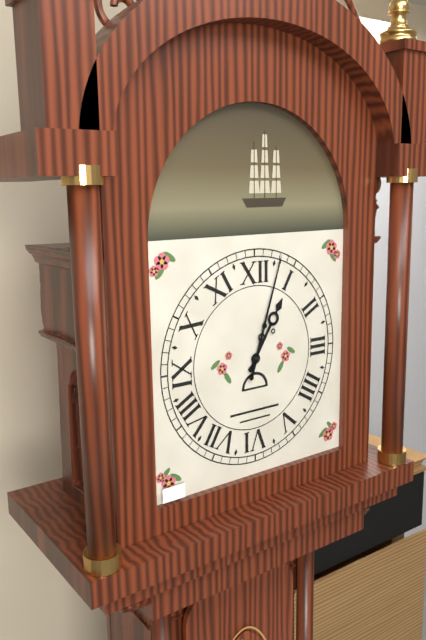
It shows 1h03
